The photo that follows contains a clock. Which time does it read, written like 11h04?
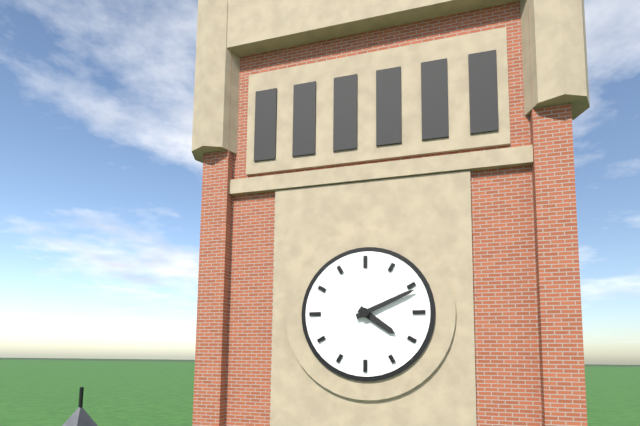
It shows 4h11
